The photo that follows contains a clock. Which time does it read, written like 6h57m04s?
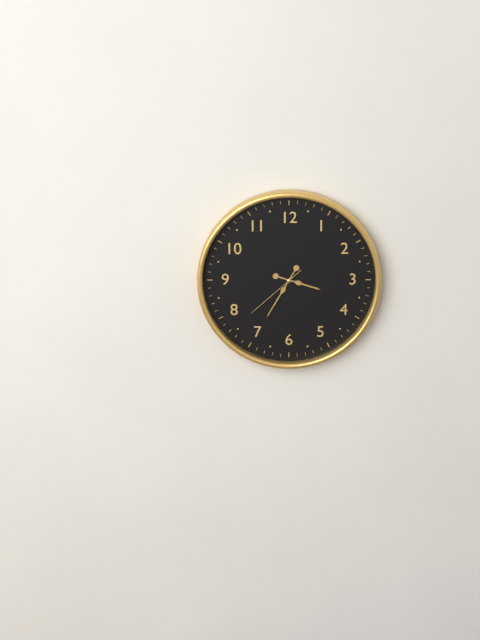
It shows 3h35m38s
